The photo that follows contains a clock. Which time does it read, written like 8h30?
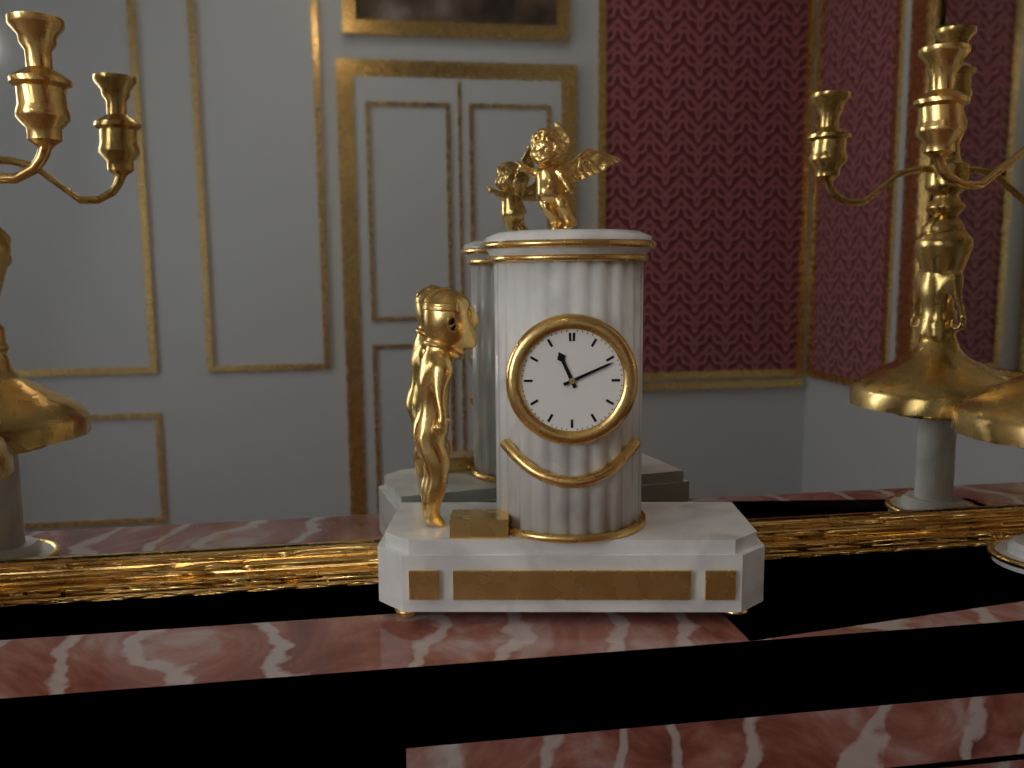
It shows 11h11
